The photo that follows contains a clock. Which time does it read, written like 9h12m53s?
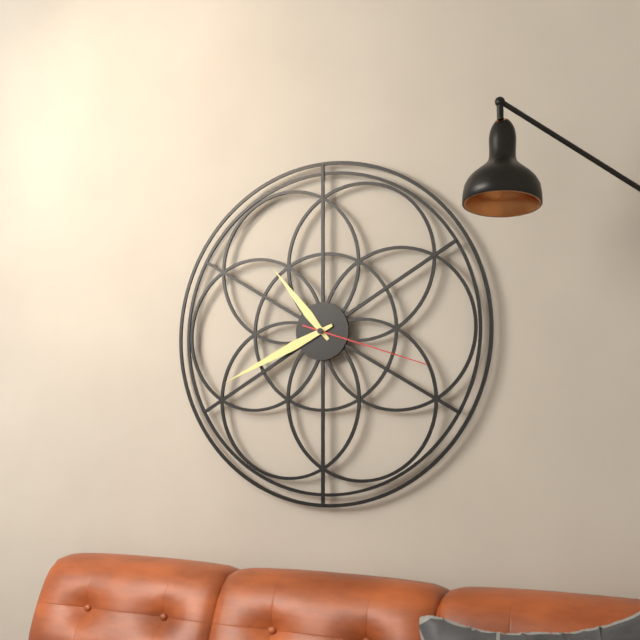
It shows 10h41m18s
